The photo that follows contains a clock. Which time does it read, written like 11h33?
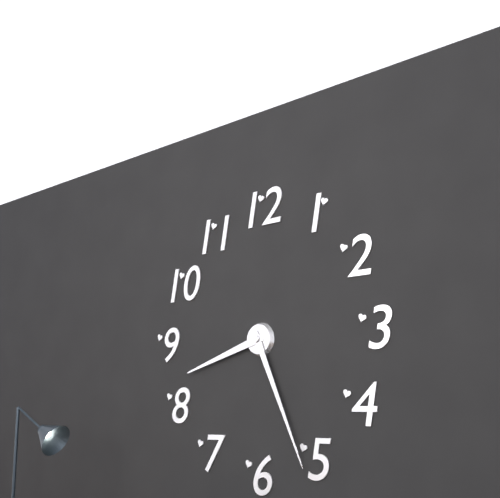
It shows 8h26
